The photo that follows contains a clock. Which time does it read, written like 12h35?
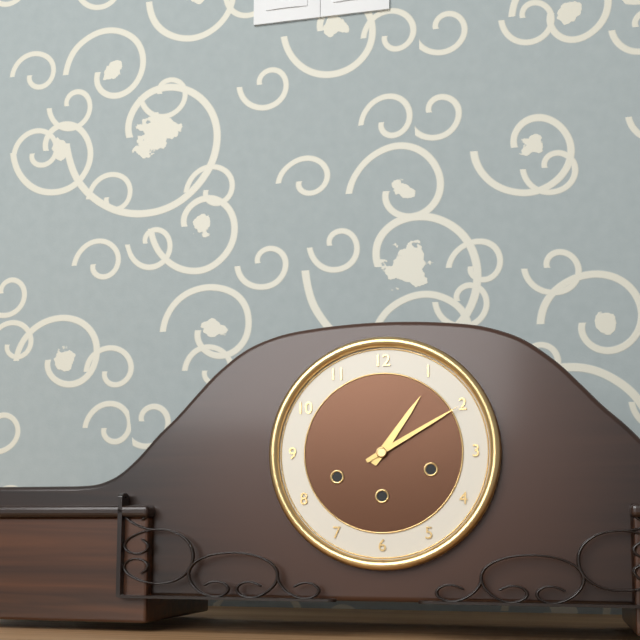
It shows 1h10
